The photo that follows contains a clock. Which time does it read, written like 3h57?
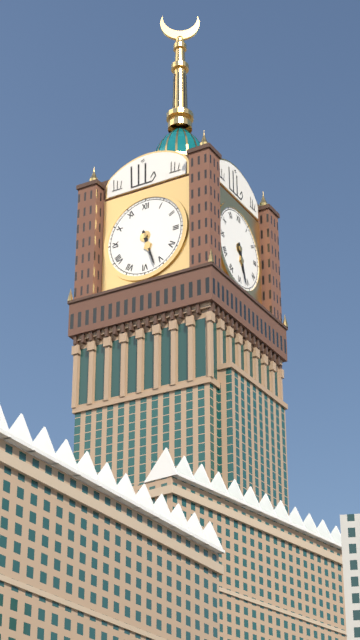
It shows 5h27
